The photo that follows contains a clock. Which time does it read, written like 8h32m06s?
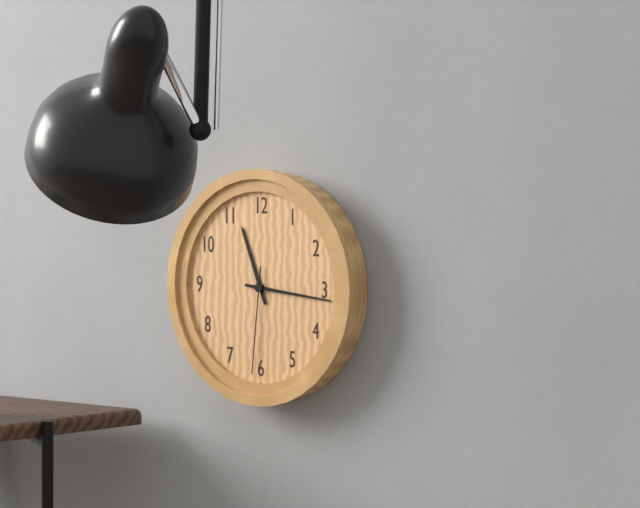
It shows 11h16m31s
